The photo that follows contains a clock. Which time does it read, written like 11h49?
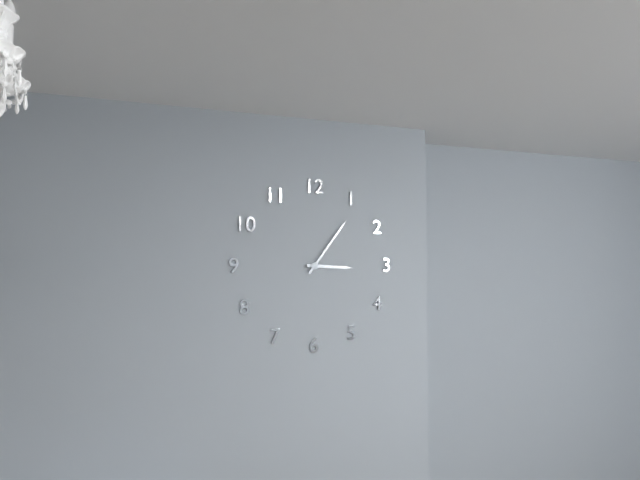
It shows 3h06
